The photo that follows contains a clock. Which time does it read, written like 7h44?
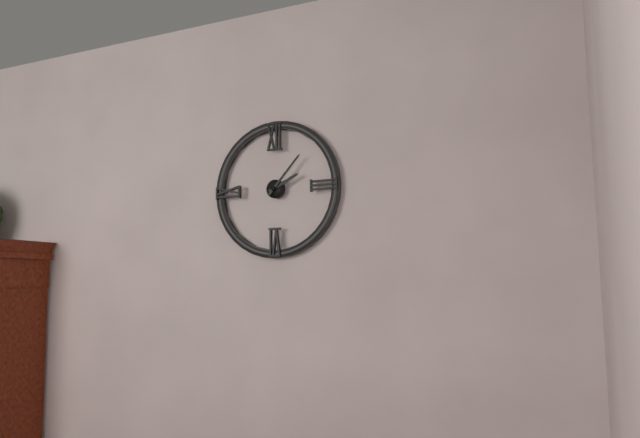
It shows 2h07
